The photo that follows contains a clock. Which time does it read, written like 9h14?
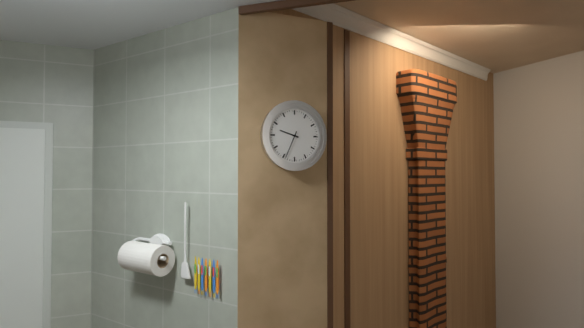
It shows 9h34
